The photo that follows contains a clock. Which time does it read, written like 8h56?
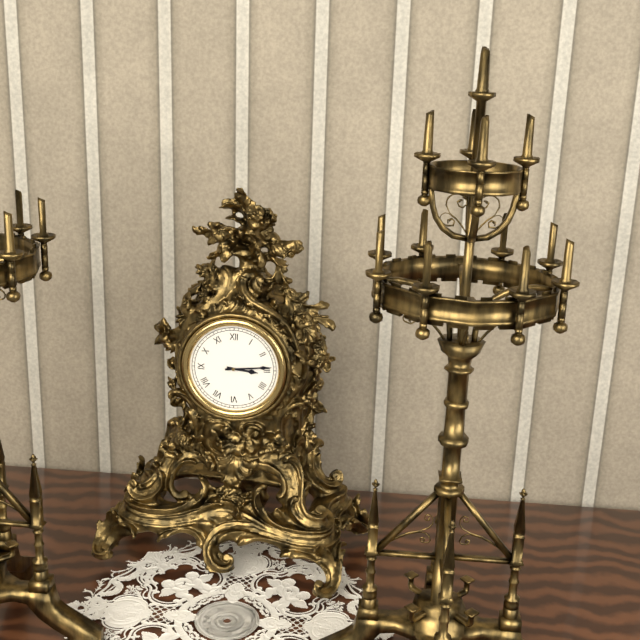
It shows 3h14
